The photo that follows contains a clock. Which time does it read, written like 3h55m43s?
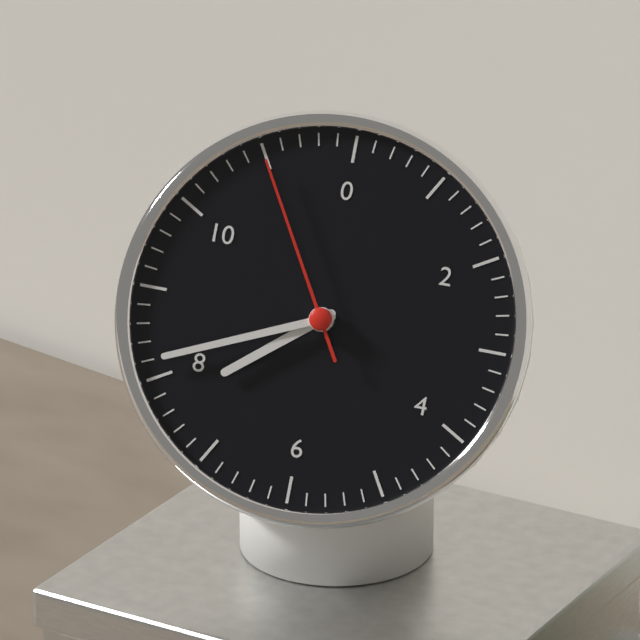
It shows 7h41m55s
